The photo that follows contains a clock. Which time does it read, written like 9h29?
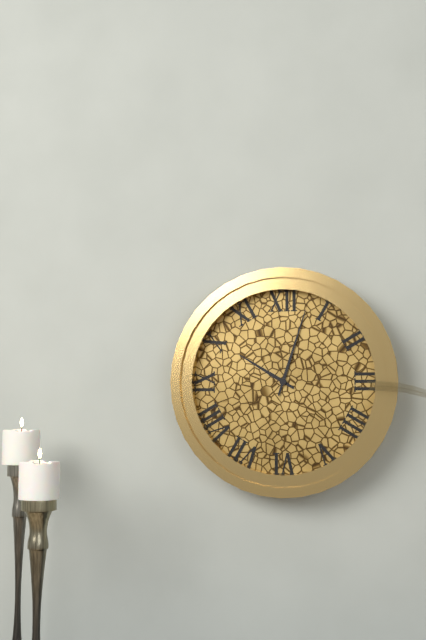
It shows 10h03
